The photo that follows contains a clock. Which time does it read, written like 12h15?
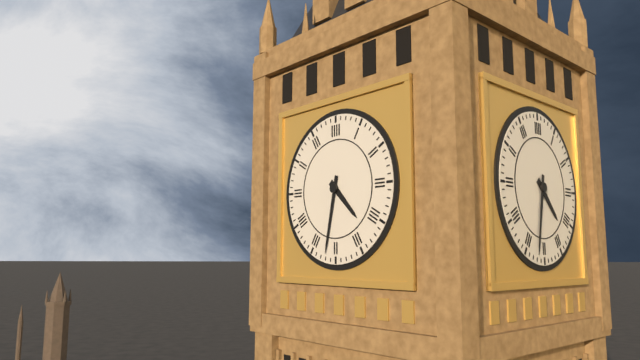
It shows 4h32
